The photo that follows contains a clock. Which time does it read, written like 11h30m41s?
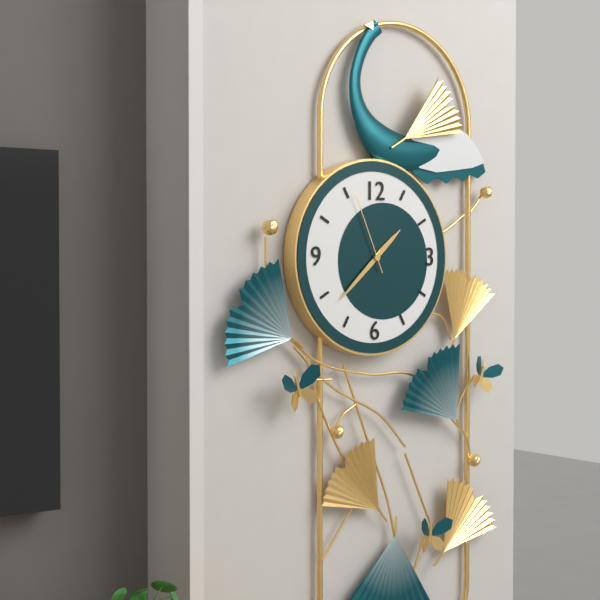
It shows 1h38m56s
